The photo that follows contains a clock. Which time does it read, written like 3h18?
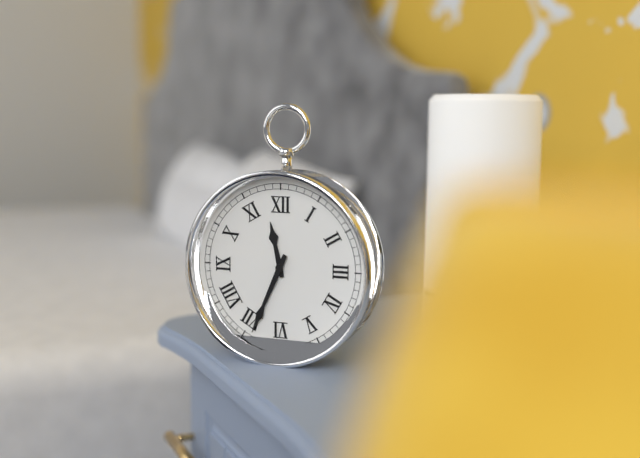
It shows 11h34
